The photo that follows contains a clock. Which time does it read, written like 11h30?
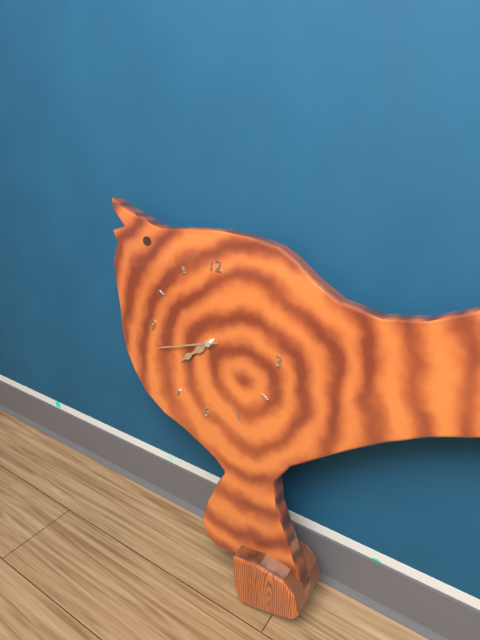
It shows 7h42
